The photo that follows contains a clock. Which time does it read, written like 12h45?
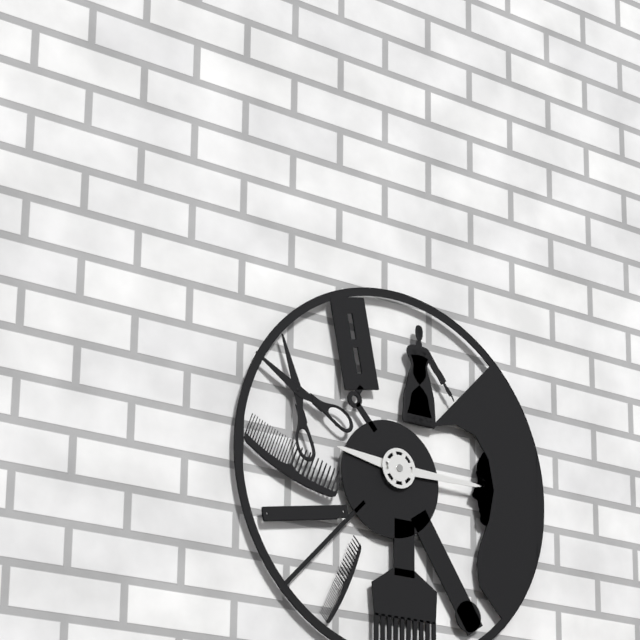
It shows 9h15
